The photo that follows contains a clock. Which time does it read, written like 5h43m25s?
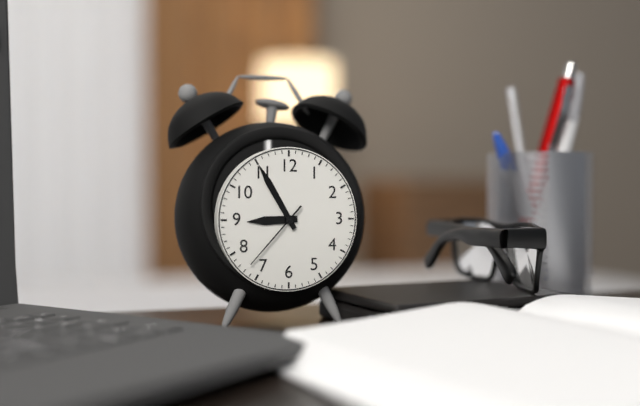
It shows 8h55m37s
